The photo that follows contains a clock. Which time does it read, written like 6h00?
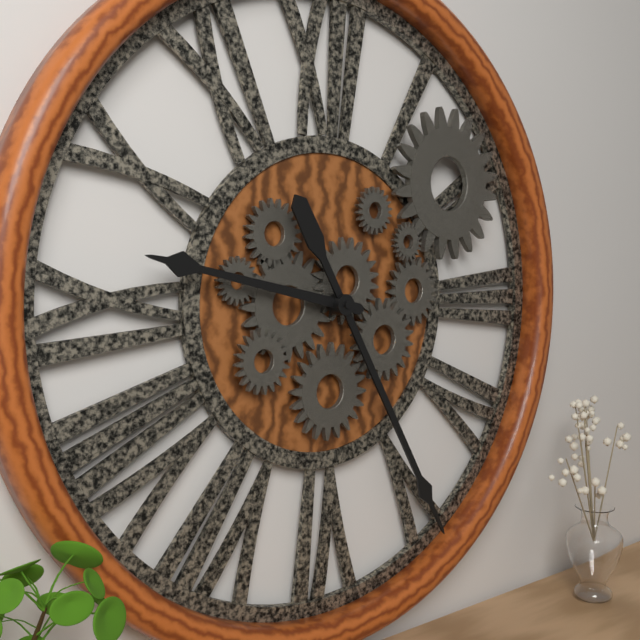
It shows 9h25
